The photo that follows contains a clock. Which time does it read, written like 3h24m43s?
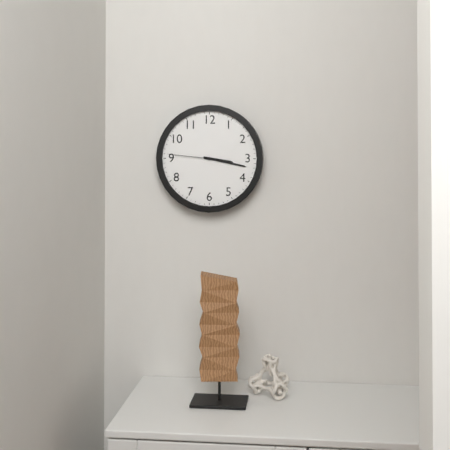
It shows 3h17m46s
